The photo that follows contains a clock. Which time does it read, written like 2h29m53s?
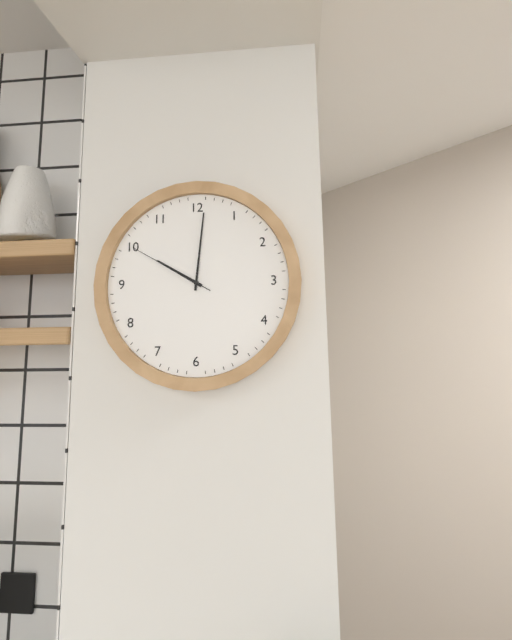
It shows 10h01m50s
